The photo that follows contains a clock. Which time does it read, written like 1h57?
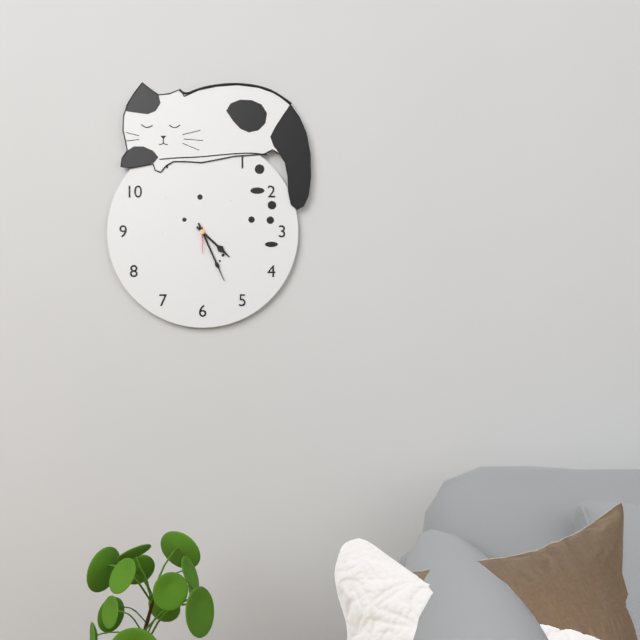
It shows 4h26
